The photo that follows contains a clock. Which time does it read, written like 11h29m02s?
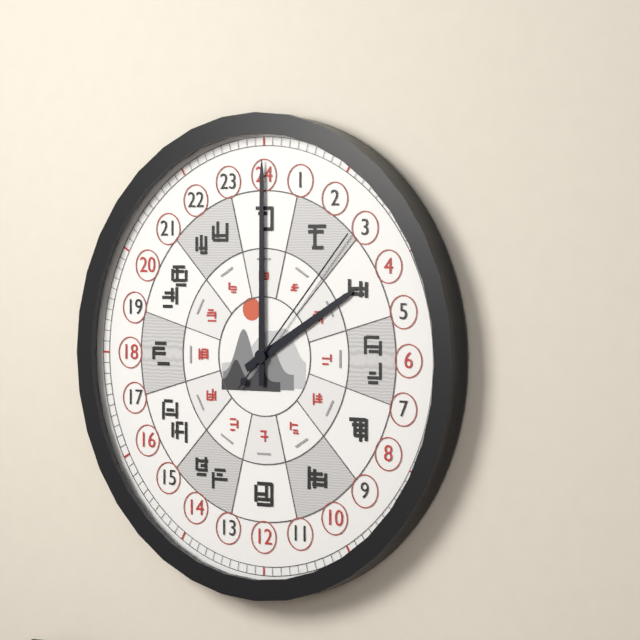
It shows 2h00m07s
